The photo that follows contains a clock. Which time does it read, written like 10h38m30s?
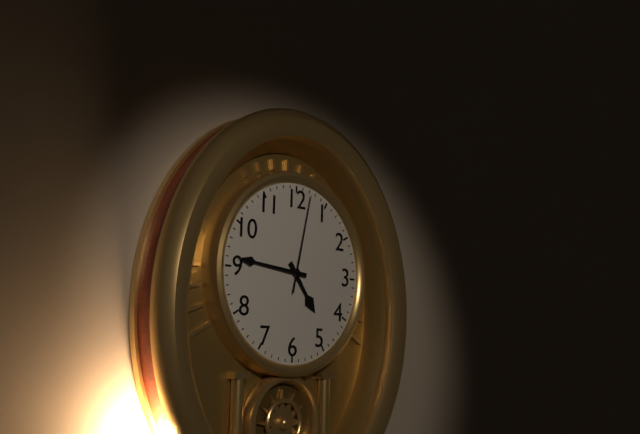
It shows 4h46m02s
